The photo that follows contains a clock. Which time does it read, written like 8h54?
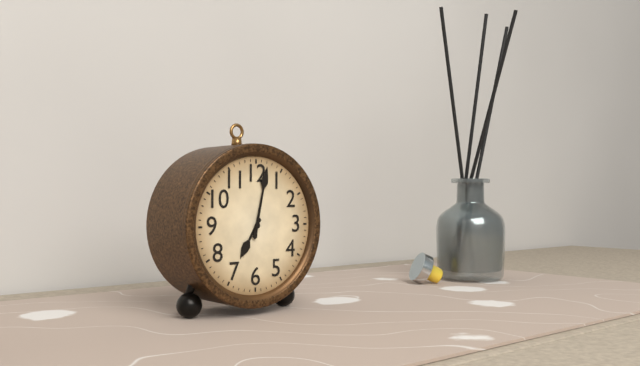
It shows 7h02
